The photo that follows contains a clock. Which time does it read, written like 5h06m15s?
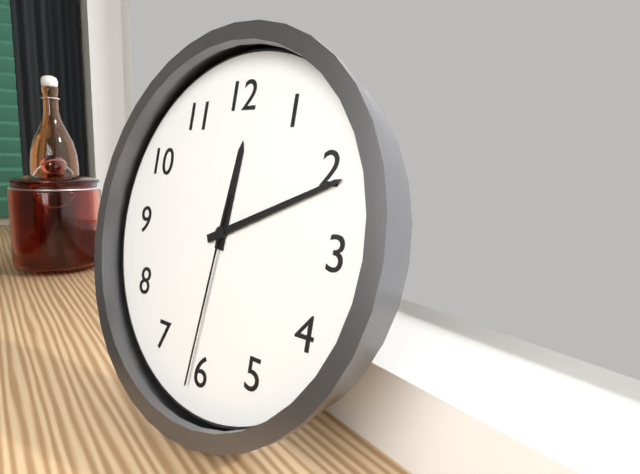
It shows 12h11m31s
